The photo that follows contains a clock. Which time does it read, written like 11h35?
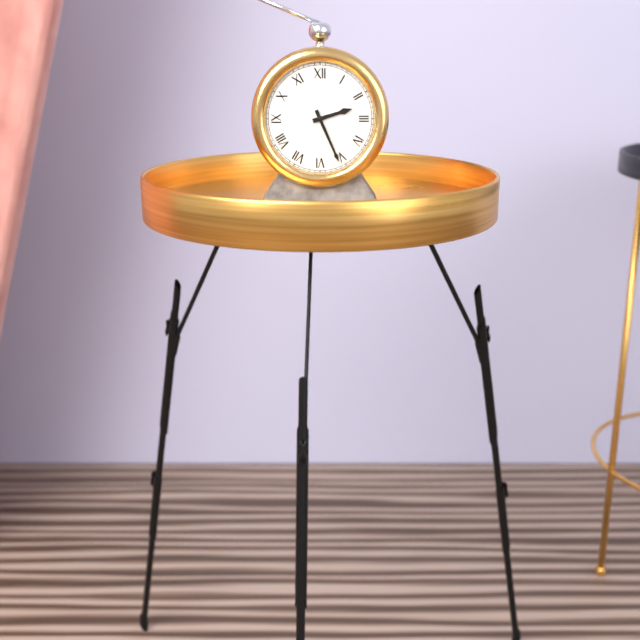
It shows 2h26
